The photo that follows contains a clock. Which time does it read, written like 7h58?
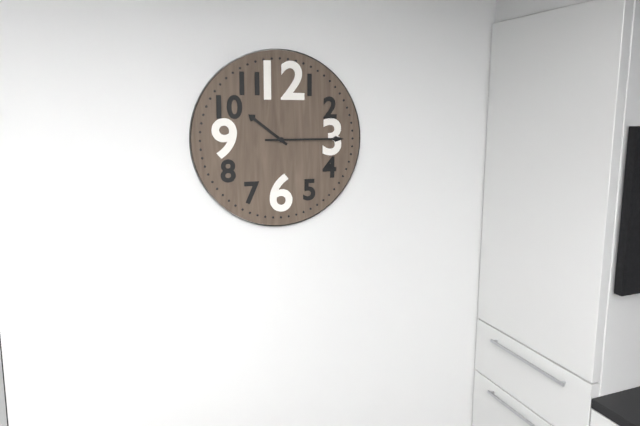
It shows 10h15
